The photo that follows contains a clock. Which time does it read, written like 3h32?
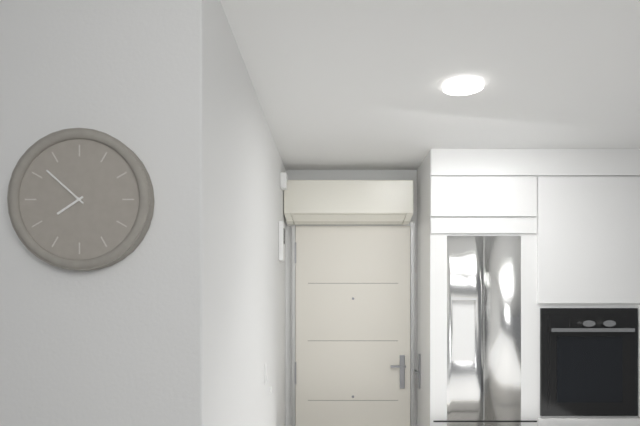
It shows 7h52
